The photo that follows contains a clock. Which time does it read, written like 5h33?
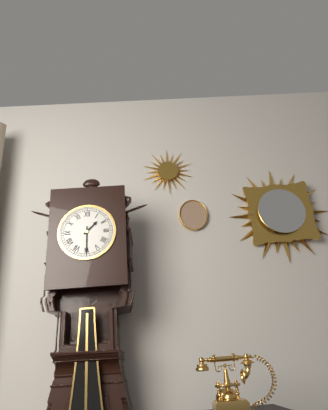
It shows 1h30
